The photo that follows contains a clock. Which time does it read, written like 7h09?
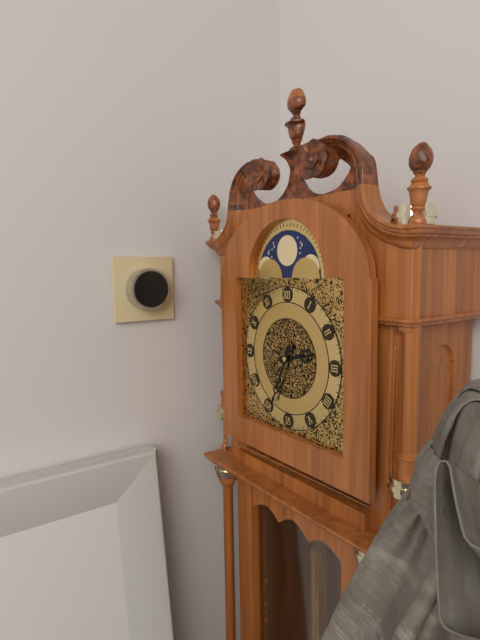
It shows 2h34
